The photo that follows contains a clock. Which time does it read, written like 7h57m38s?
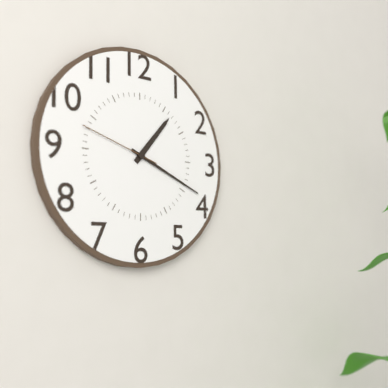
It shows 1h19m48s
